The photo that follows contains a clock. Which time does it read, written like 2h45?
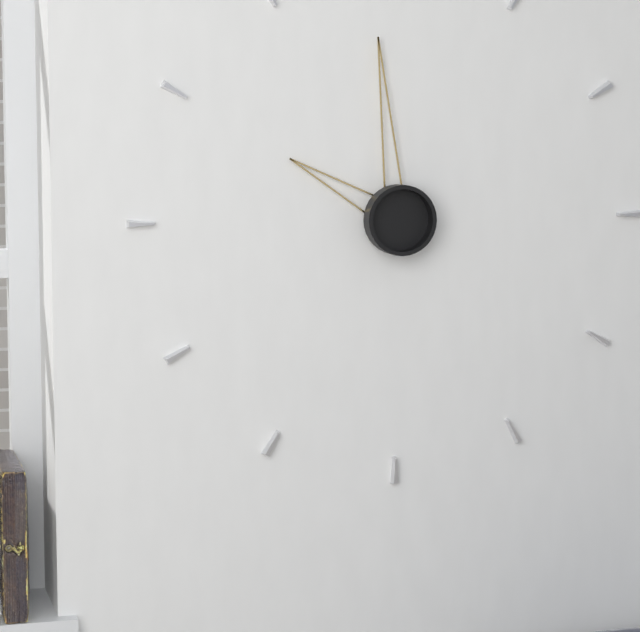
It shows 9h59
